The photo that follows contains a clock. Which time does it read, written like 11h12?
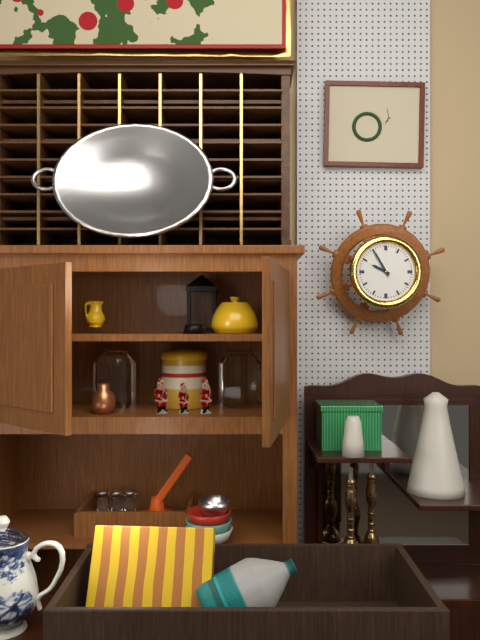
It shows 9h55
